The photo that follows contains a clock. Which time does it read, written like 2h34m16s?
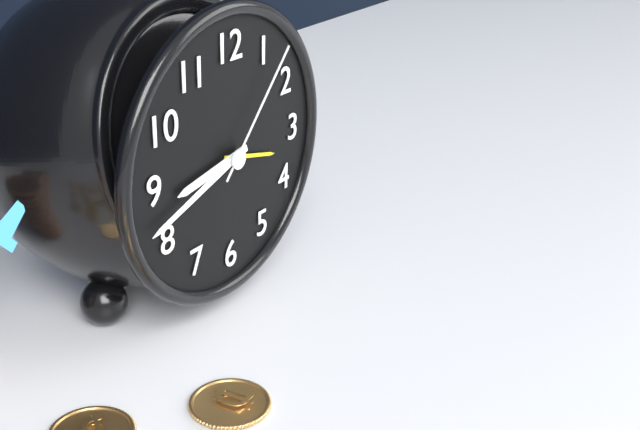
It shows 8h42m07s
